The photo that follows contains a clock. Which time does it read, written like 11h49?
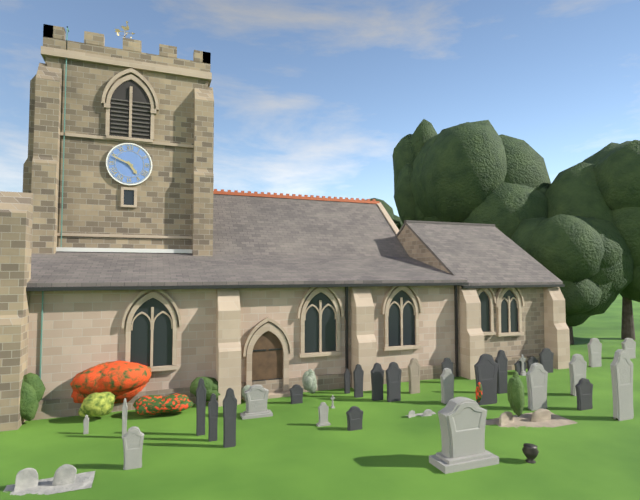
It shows 4h49
